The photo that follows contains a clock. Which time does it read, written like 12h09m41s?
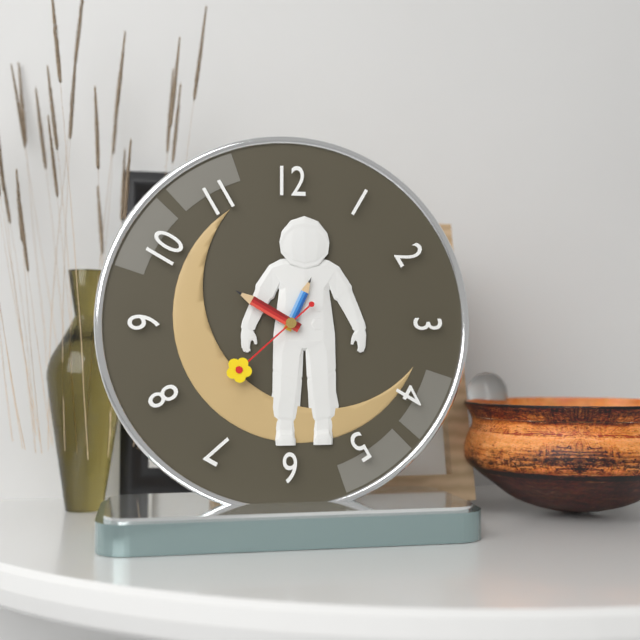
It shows 12h50m38s
